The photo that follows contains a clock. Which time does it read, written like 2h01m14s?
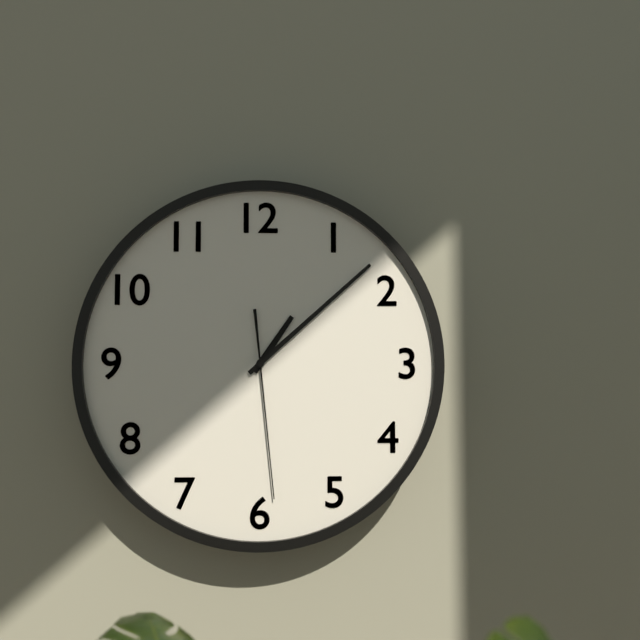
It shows 1h08m29s
